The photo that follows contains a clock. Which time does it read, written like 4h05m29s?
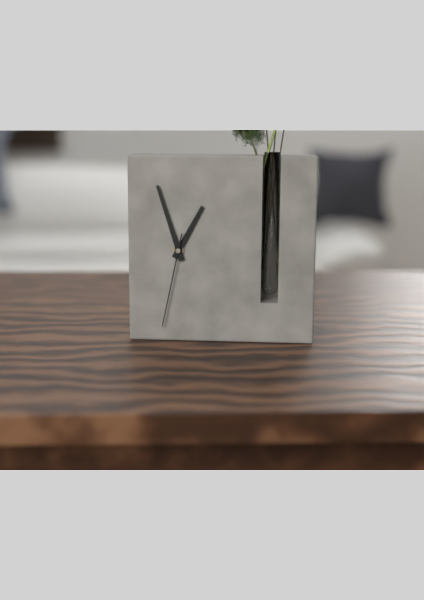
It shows 12h57m32s
